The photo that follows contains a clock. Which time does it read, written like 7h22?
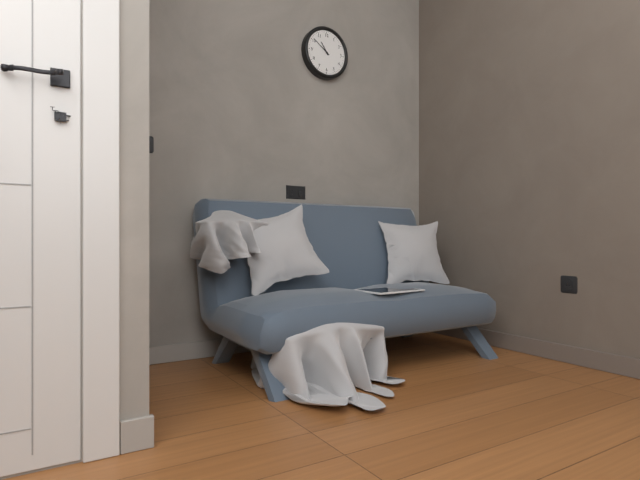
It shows 10h51
